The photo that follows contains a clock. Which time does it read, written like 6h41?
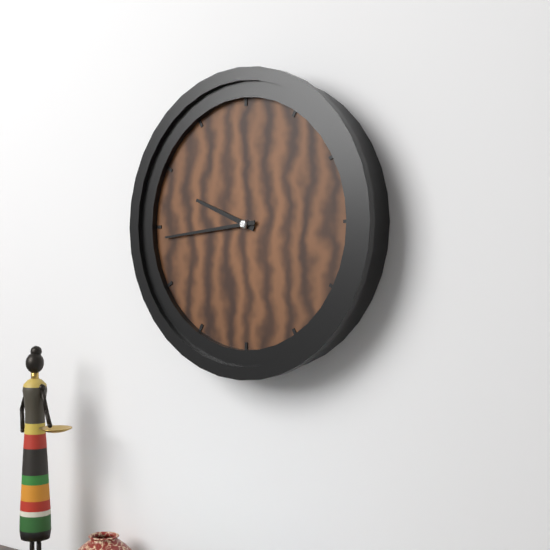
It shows 9h44
